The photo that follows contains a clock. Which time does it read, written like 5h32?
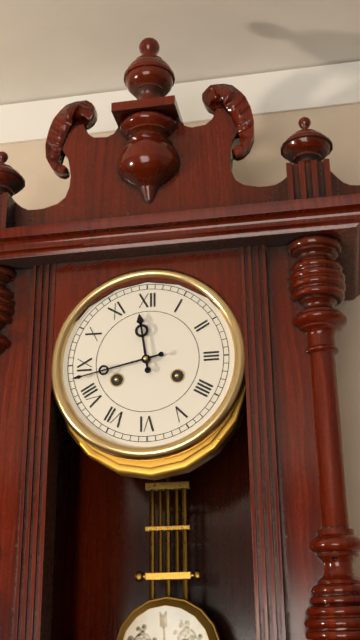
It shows 11h43
